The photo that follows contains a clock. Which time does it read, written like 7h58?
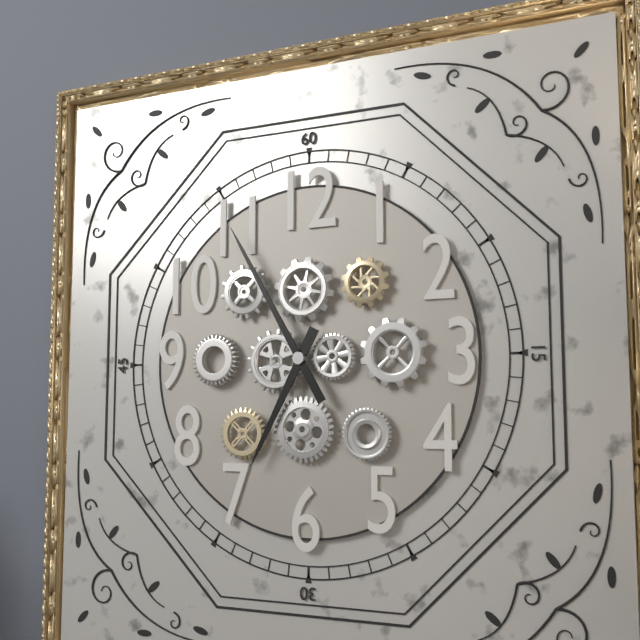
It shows 6h55
